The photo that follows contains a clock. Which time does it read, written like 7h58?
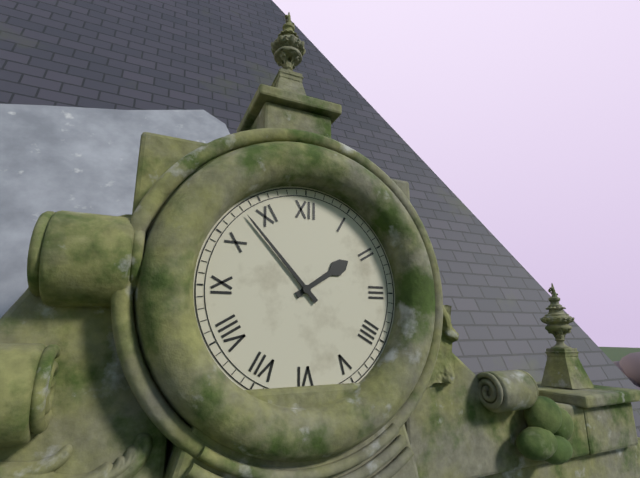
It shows 1h53
